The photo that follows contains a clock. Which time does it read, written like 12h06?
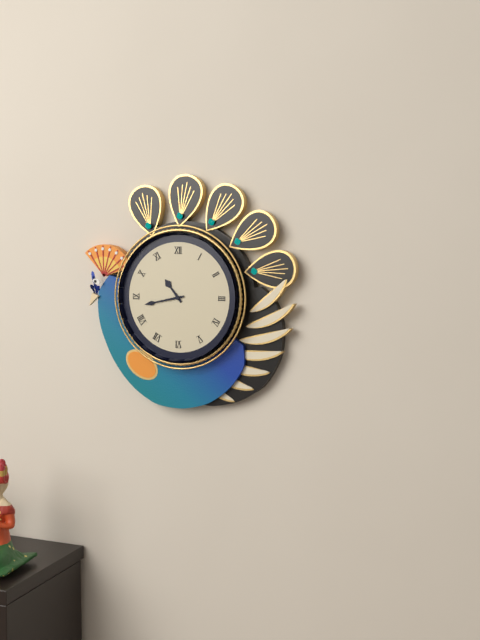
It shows 10h43
